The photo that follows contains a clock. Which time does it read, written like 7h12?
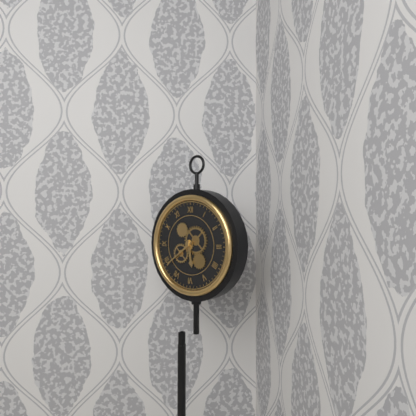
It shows 5h39
